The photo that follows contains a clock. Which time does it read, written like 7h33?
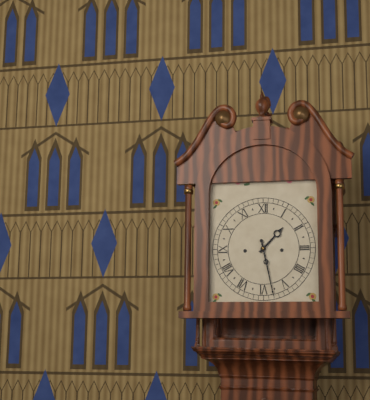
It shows 1h28
